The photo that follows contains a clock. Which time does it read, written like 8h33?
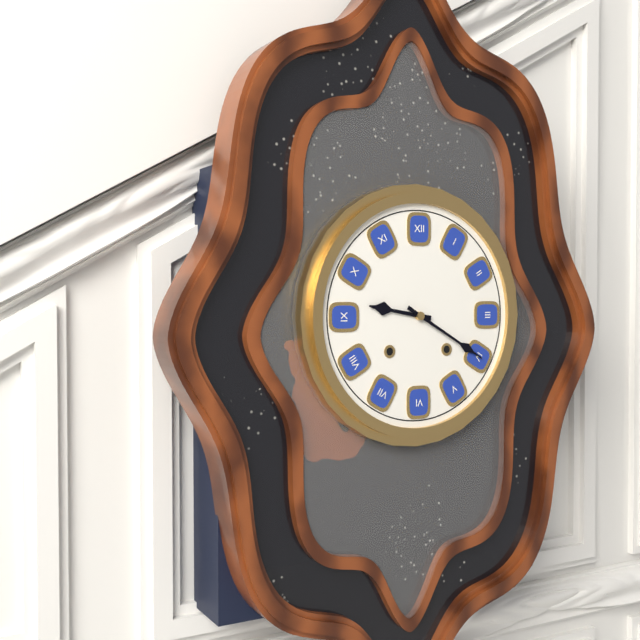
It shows 9h20
